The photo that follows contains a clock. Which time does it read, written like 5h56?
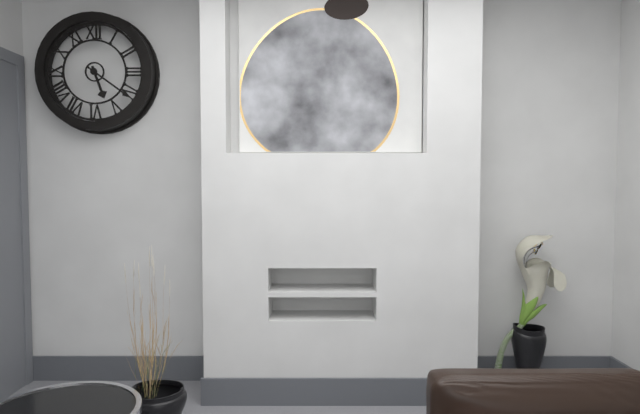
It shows 5h21
